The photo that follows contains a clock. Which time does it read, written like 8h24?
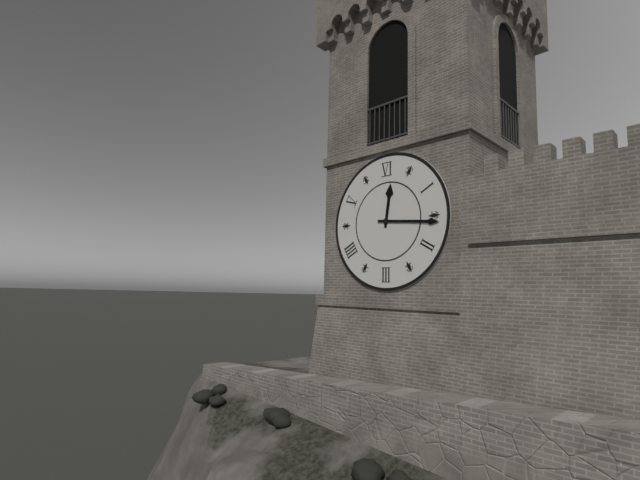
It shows 12h16
